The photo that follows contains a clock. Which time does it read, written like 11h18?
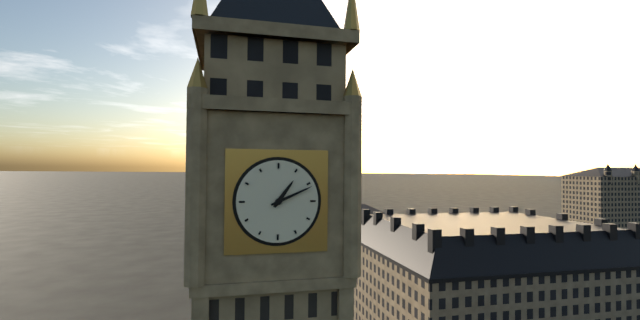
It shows 1h11
